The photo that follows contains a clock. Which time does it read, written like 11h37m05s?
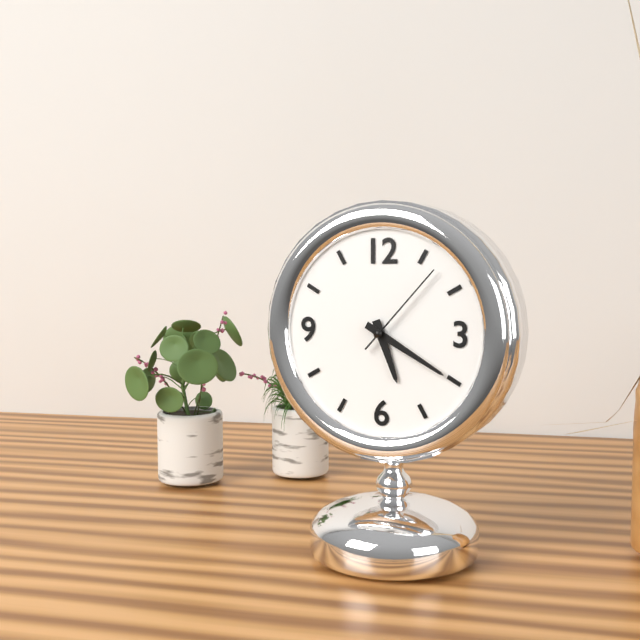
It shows 5h20m07s
